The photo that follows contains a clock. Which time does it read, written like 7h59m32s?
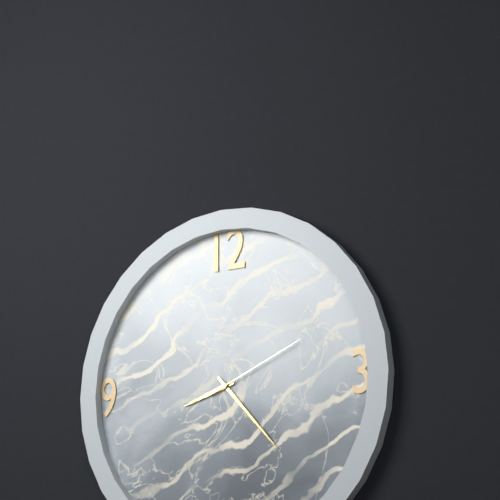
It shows 8h23m11s
